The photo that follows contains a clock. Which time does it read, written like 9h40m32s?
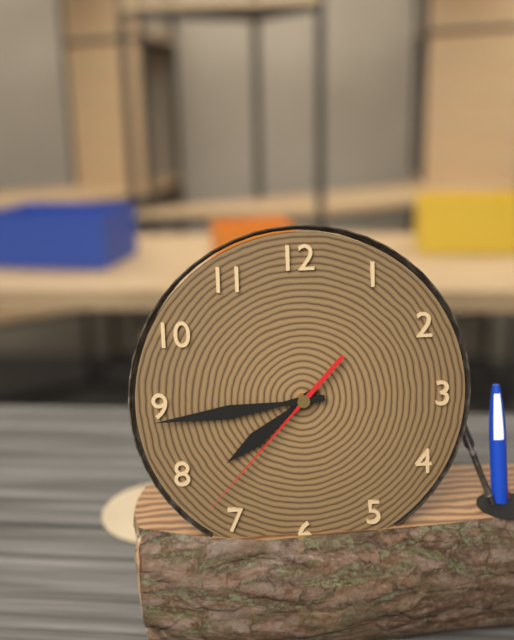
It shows 7h44m37s
